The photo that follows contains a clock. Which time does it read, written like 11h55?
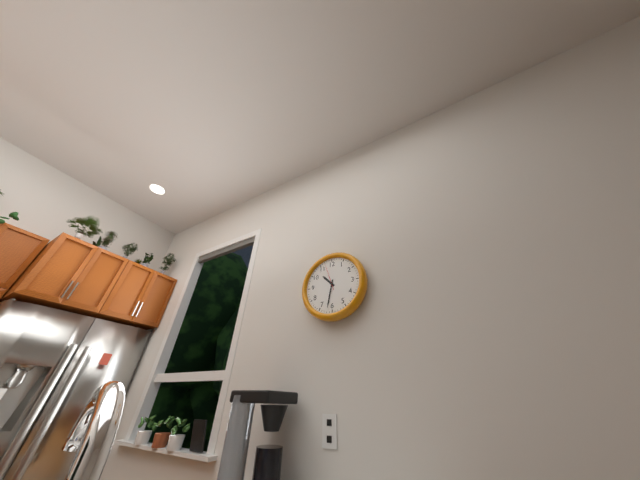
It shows 10h32
